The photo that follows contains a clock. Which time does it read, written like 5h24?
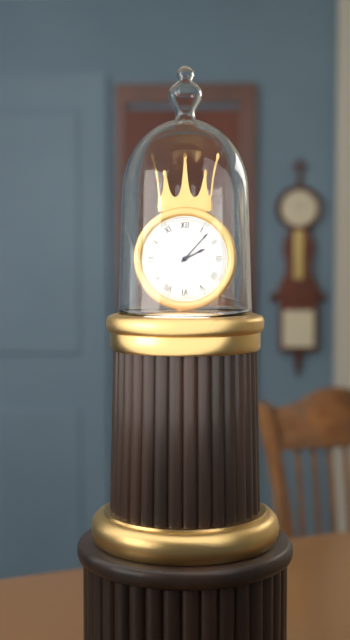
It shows 2h07
